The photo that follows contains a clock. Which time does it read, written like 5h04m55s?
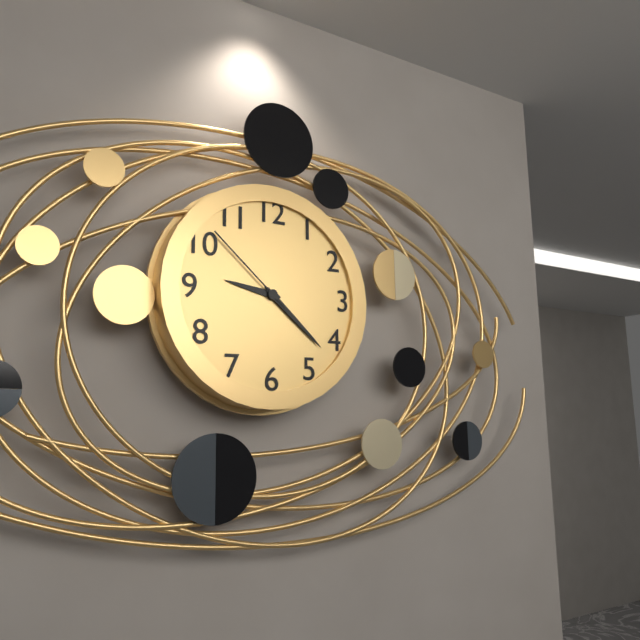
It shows 9h22m52s
